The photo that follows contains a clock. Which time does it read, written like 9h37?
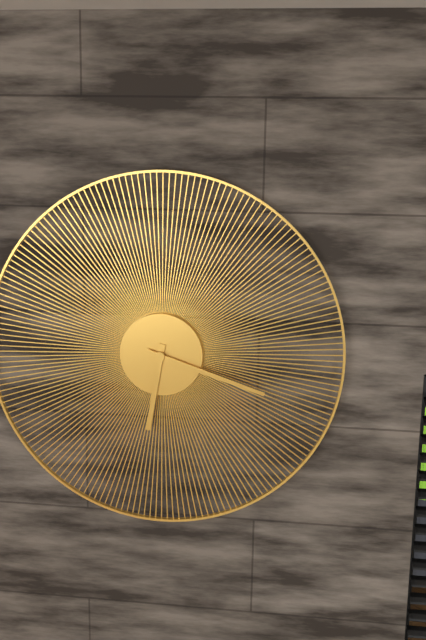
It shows 6h18
